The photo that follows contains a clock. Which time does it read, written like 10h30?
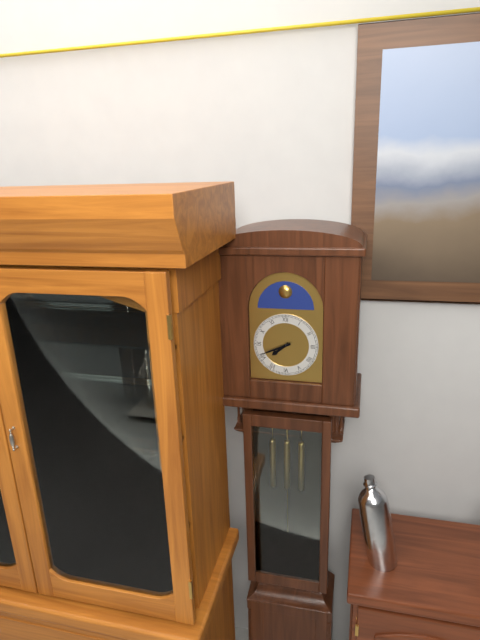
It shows 7h41
